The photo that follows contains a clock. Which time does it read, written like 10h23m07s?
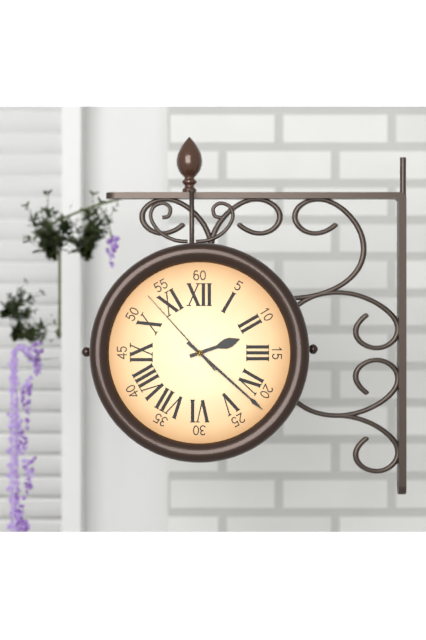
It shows 2h22m53s
